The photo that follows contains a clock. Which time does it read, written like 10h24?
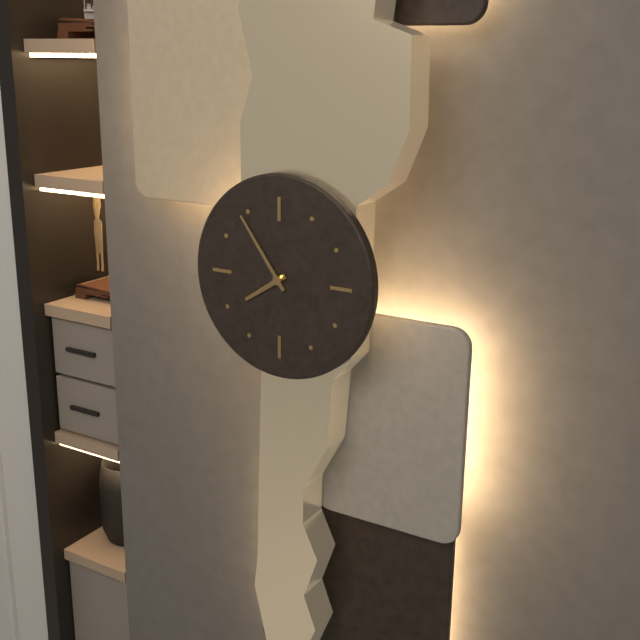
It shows 7h54
